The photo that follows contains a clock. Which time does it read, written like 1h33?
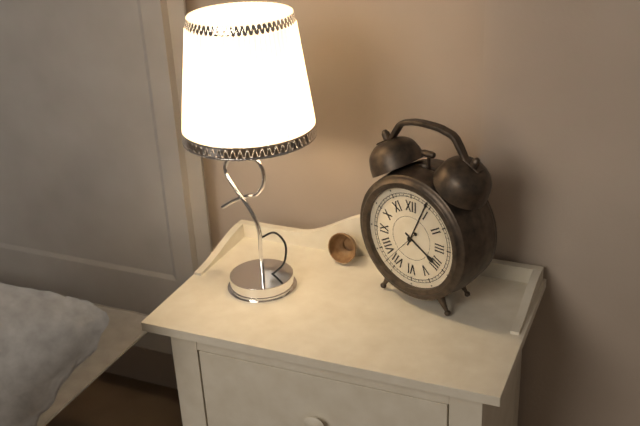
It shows 4h04
